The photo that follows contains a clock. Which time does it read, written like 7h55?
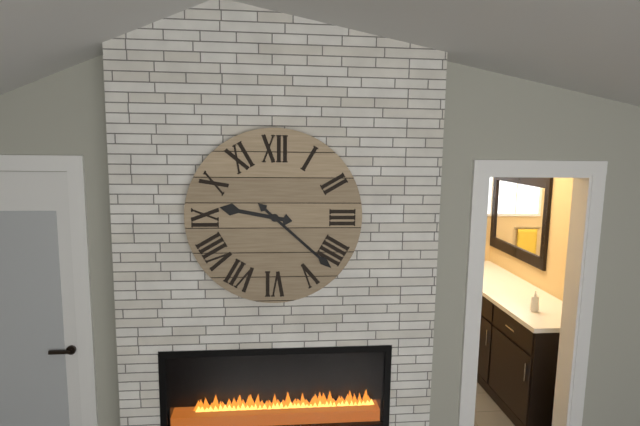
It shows 9h22
